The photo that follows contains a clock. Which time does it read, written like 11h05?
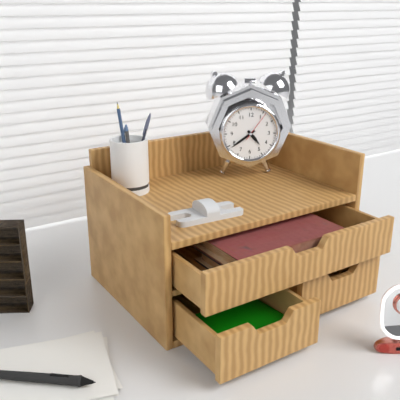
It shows 4h39
